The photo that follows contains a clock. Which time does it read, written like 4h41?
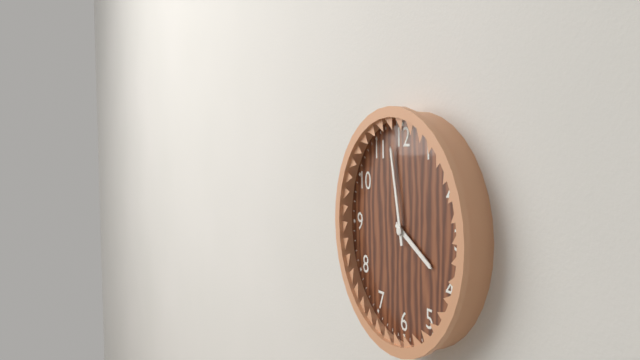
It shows 3h58
